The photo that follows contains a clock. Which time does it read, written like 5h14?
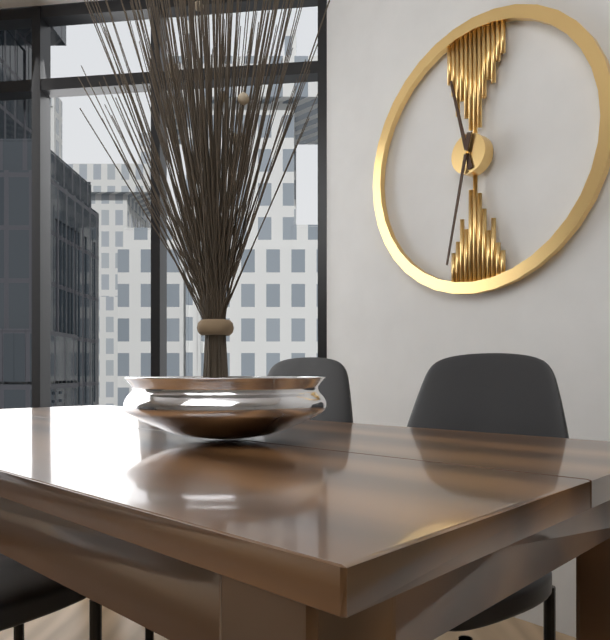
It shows 11h32
